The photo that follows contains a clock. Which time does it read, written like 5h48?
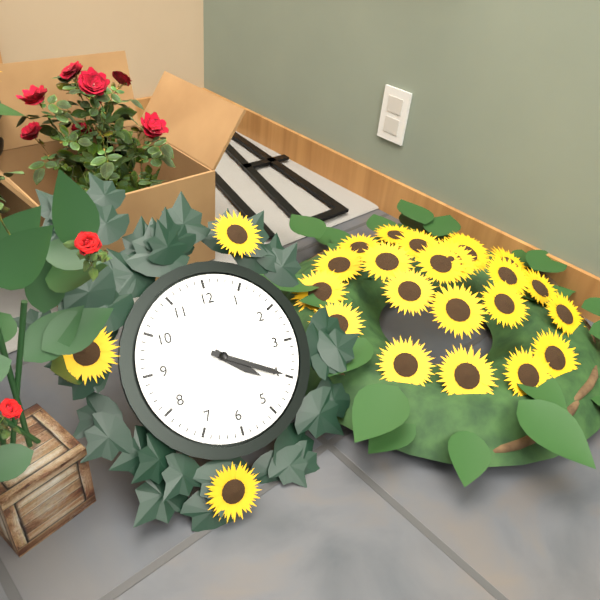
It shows 4h20
